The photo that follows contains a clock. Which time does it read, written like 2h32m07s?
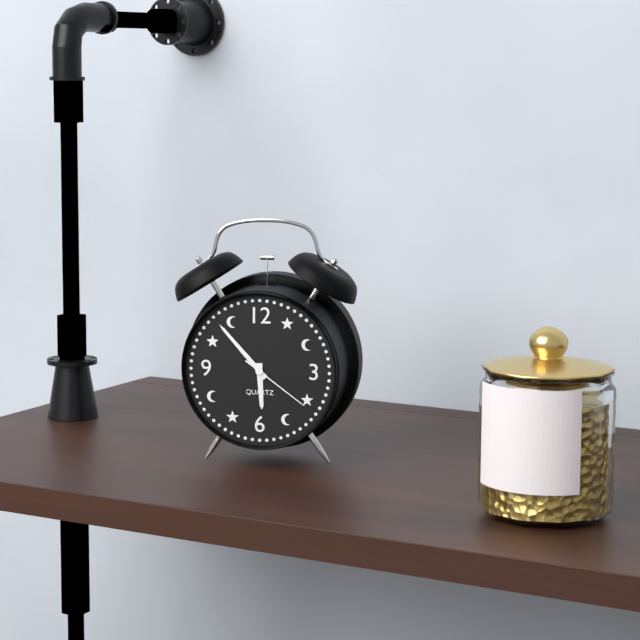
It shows 5h53m21s
